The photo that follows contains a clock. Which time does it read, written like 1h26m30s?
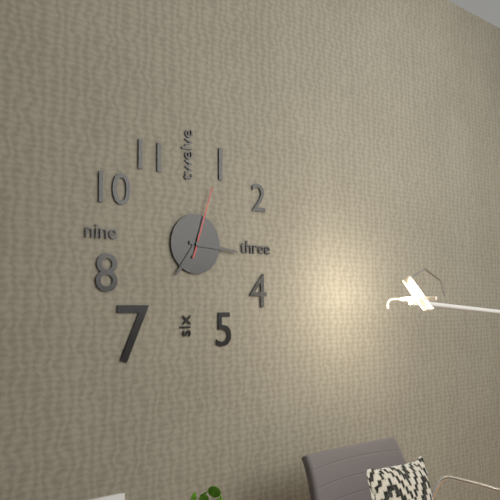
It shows 7h16m03s
